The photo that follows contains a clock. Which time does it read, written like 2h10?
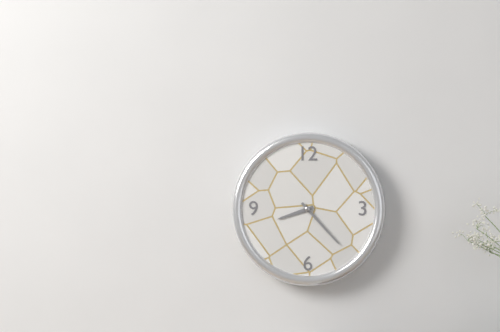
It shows 8h23
